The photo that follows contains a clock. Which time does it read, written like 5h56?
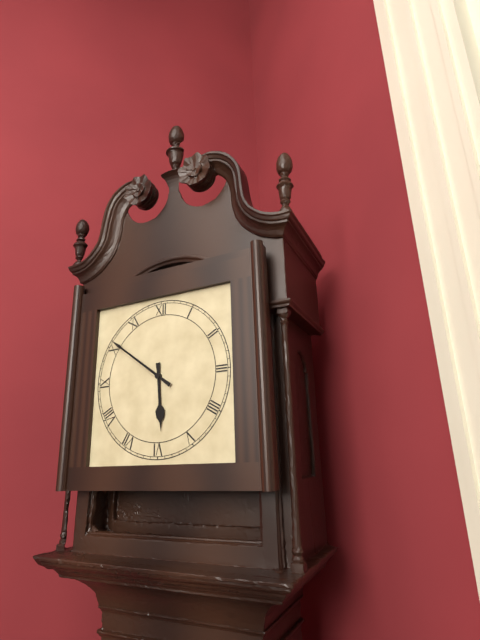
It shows 5h51
